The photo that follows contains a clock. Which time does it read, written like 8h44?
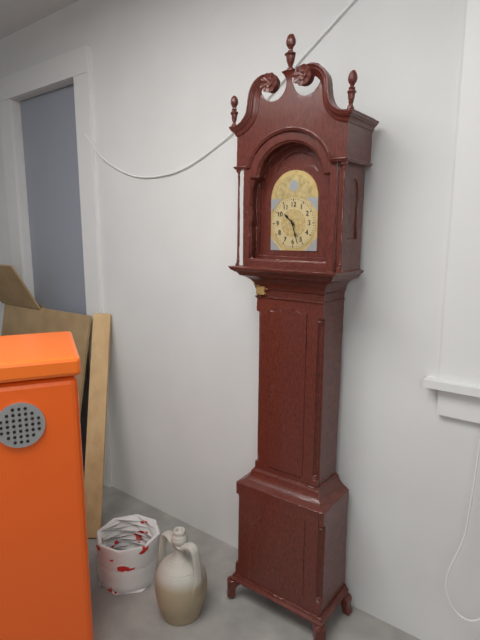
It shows 10h27
